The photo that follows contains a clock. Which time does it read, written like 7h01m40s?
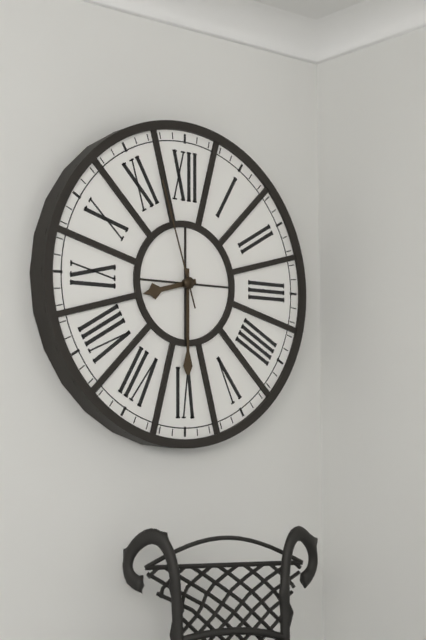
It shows 8h30m57s
